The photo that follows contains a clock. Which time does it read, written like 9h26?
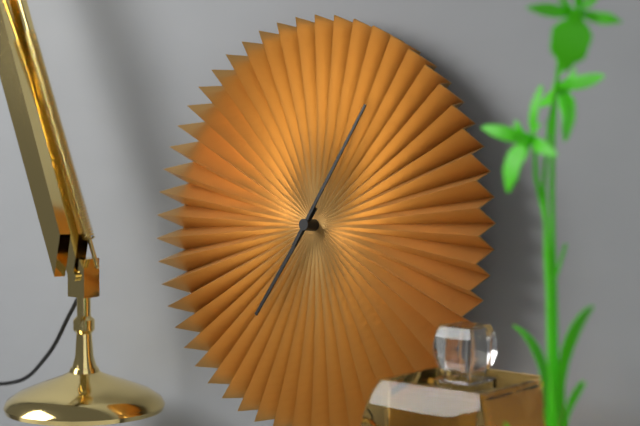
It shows 7h05
